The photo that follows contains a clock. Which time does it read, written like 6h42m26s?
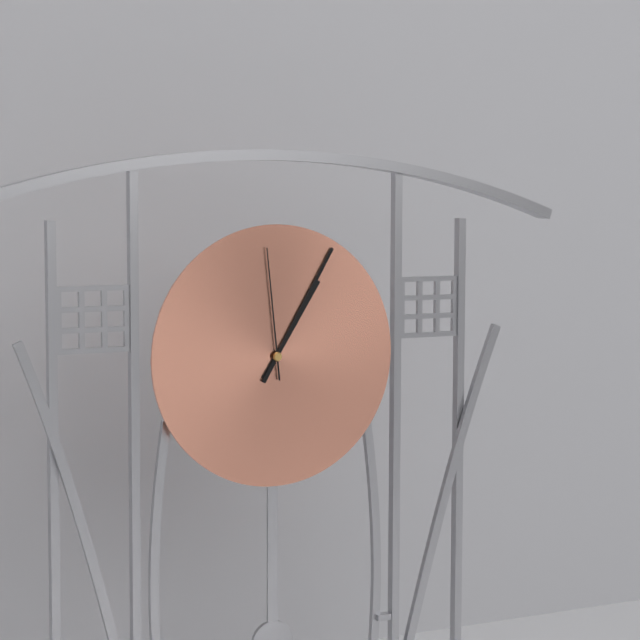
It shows 1h05m59s
